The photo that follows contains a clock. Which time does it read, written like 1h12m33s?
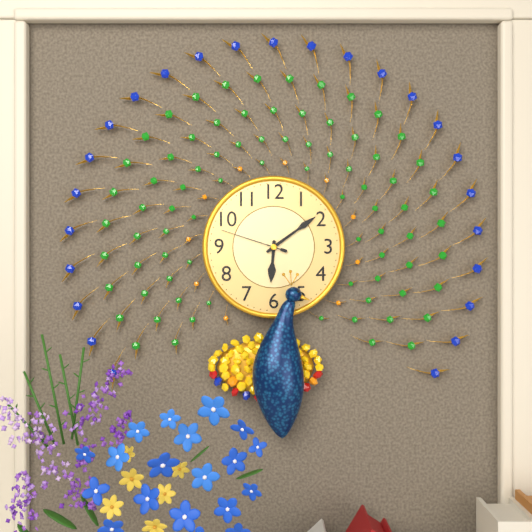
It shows 6h09m48s
